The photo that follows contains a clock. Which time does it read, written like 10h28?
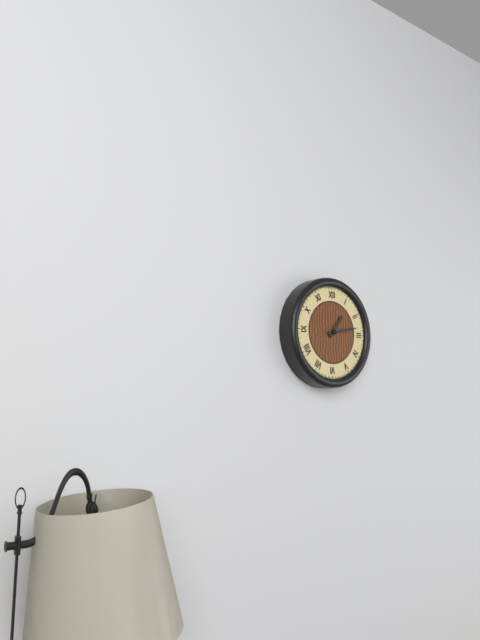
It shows 1h13
